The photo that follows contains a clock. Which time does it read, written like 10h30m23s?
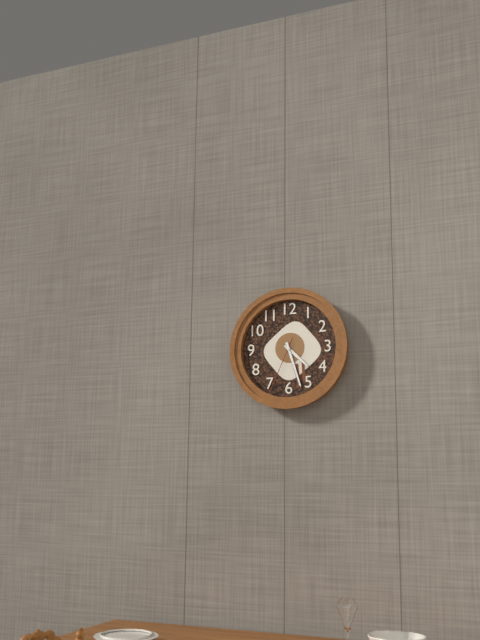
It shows 4h27m34s
